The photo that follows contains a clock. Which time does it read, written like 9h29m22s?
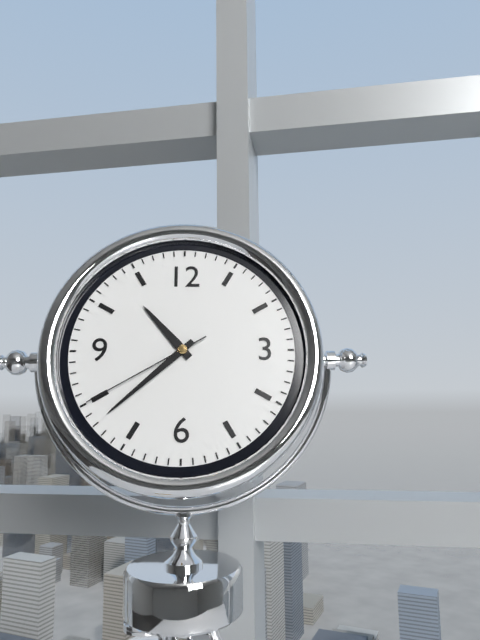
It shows 10h38m40s
